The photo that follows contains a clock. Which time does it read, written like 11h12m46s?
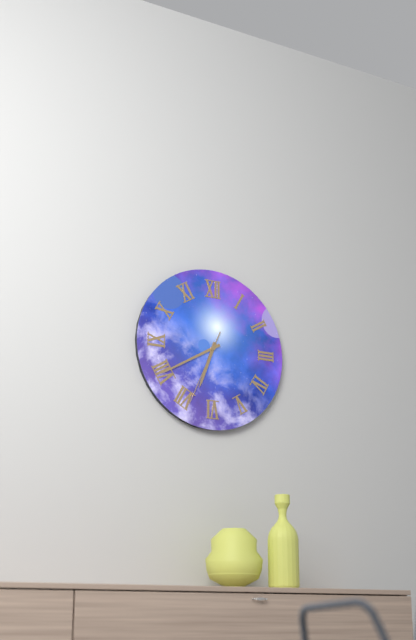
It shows 6h40m34s
